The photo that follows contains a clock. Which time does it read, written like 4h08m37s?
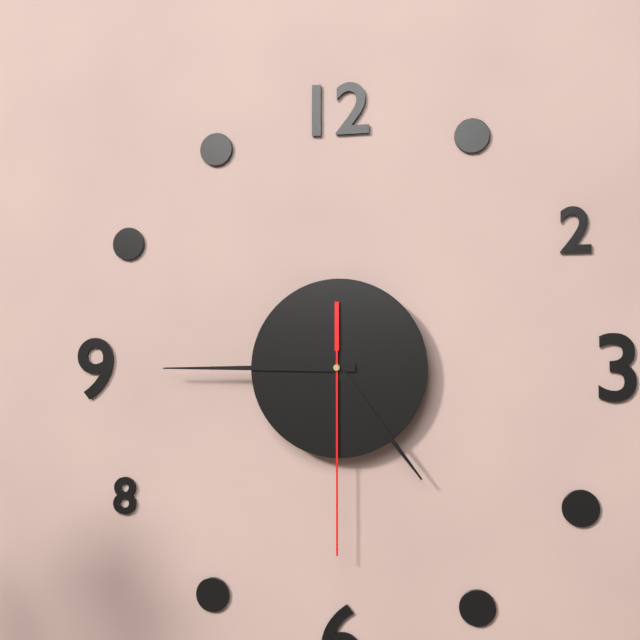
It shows 4h45m30s
